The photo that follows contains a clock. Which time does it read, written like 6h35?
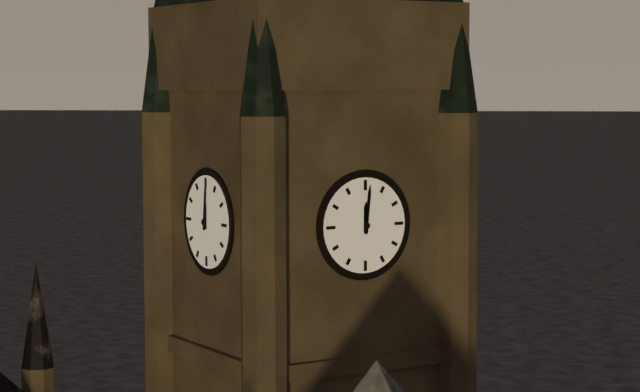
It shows 12h01
